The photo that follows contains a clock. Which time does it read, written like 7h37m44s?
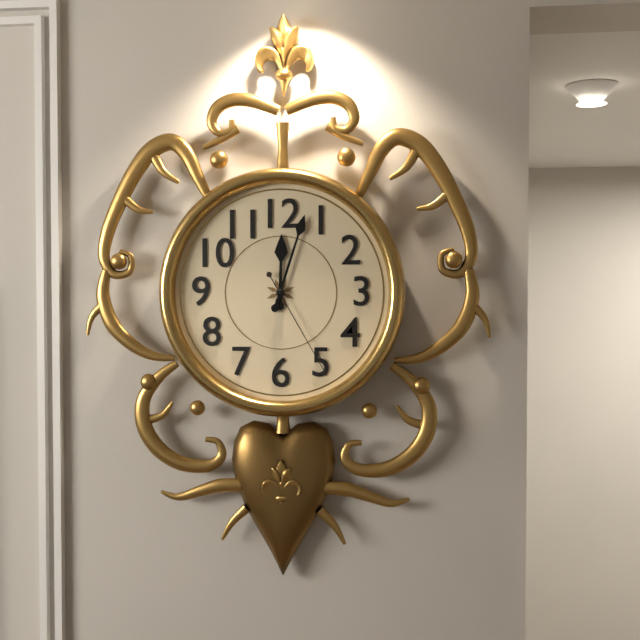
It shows 12h03m25s
